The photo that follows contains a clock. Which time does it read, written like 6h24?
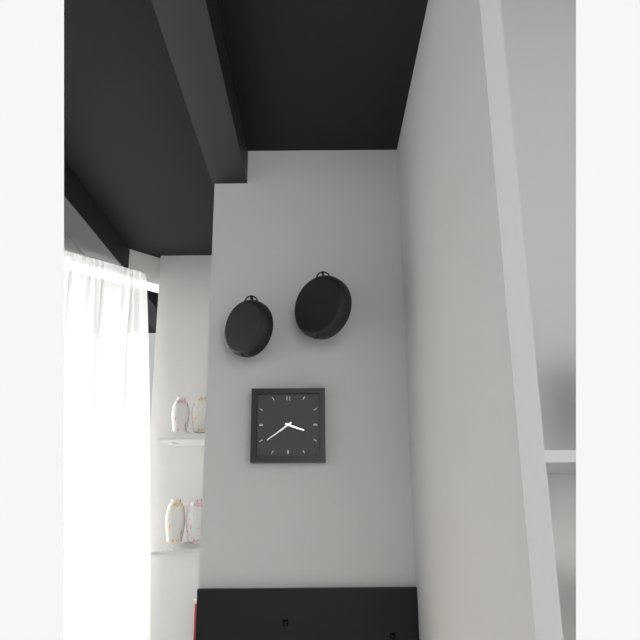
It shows 3h39
